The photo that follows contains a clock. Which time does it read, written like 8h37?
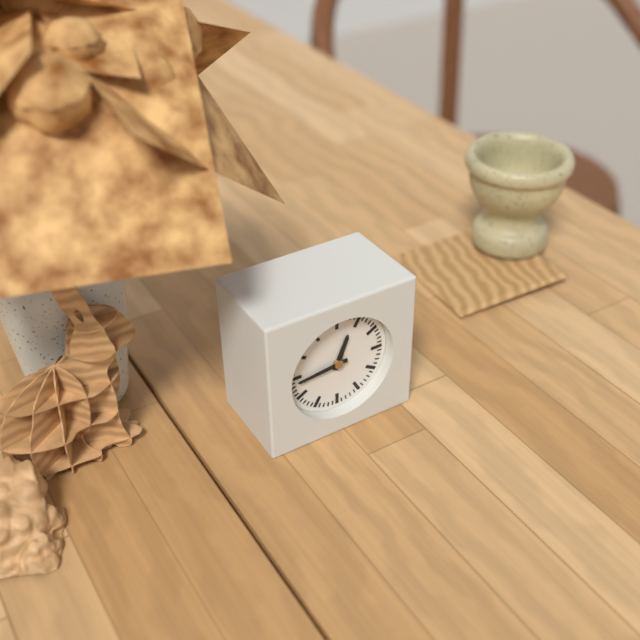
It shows 12h44
